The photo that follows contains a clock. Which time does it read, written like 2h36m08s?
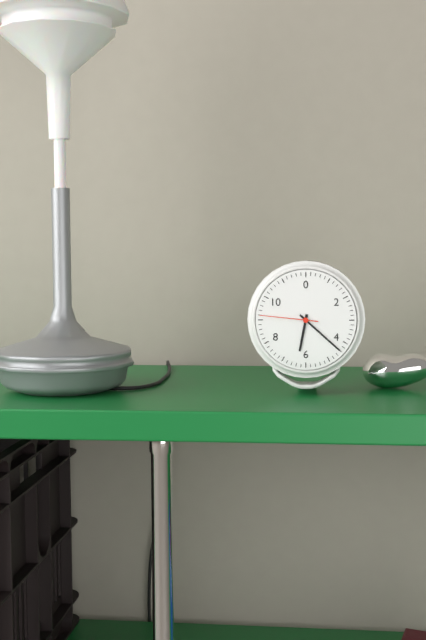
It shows 6h22m46s
